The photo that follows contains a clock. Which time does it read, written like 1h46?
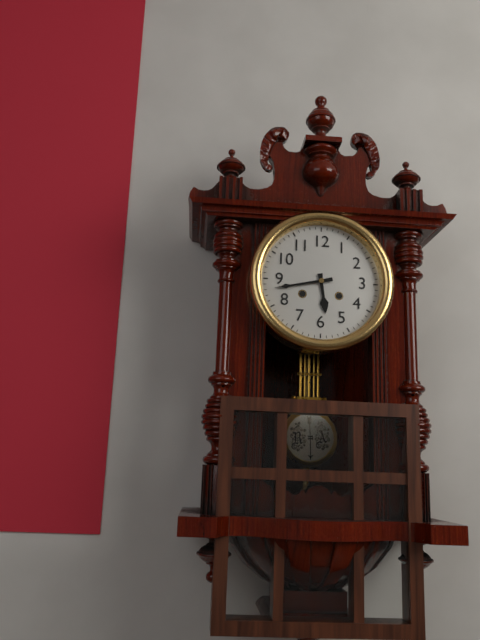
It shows 5h43
